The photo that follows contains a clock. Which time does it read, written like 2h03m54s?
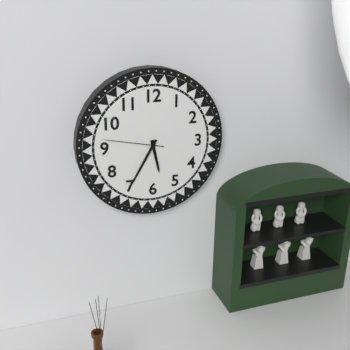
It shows 5h35m47s
